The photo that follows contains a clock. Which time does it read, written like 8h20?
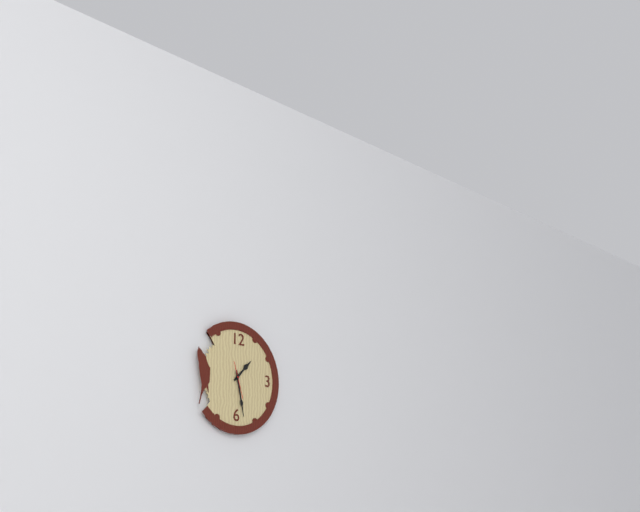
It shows 1h28
